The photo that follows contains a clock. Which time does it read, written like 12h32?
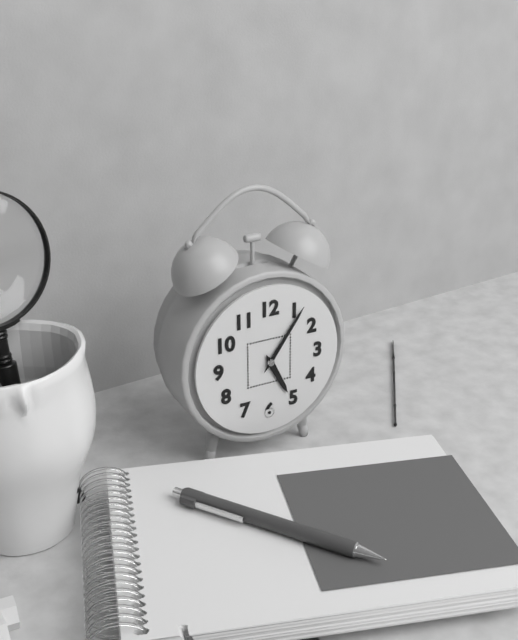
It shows 5h06
